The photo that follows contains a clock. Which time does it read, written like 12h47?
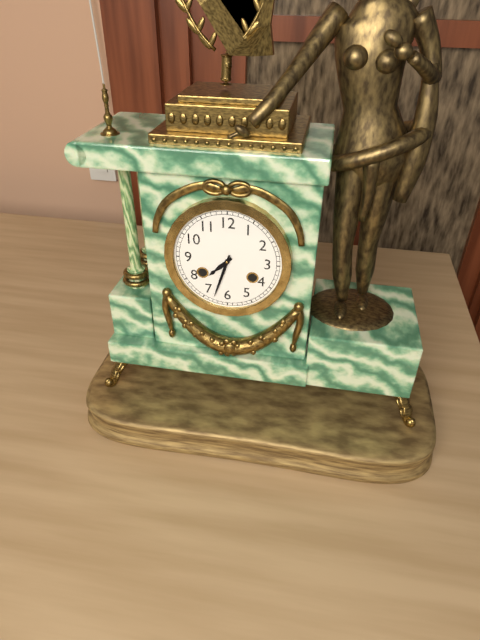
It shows 7h33
